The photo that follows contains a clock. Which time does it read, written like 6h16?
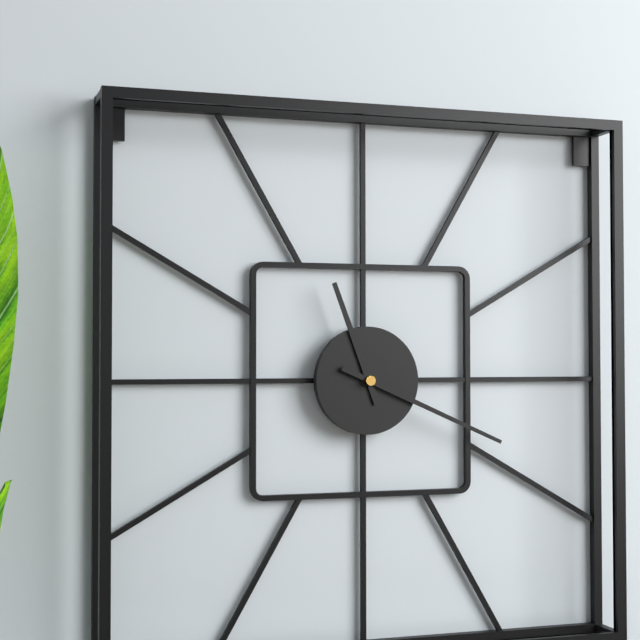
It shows 11h19
